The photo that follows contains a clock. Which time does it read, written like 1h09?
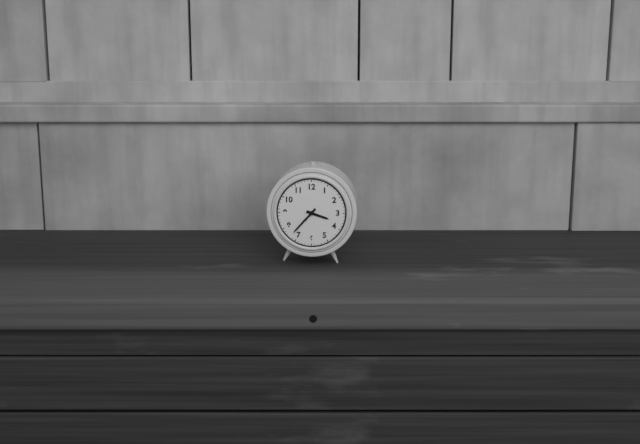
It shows 3h37
